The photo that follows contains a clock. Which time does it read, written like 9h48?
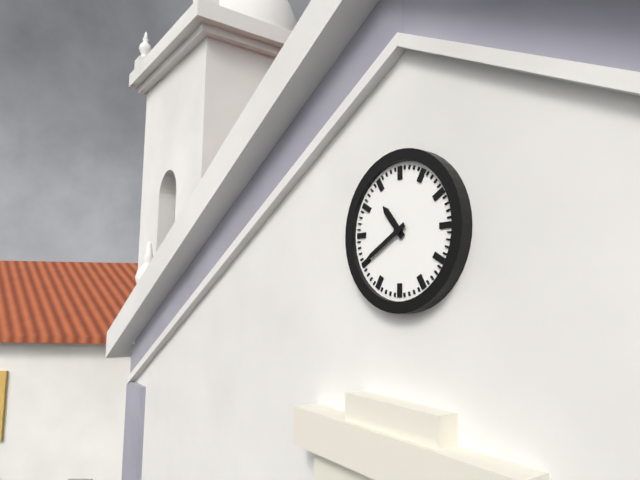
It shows 10h40
